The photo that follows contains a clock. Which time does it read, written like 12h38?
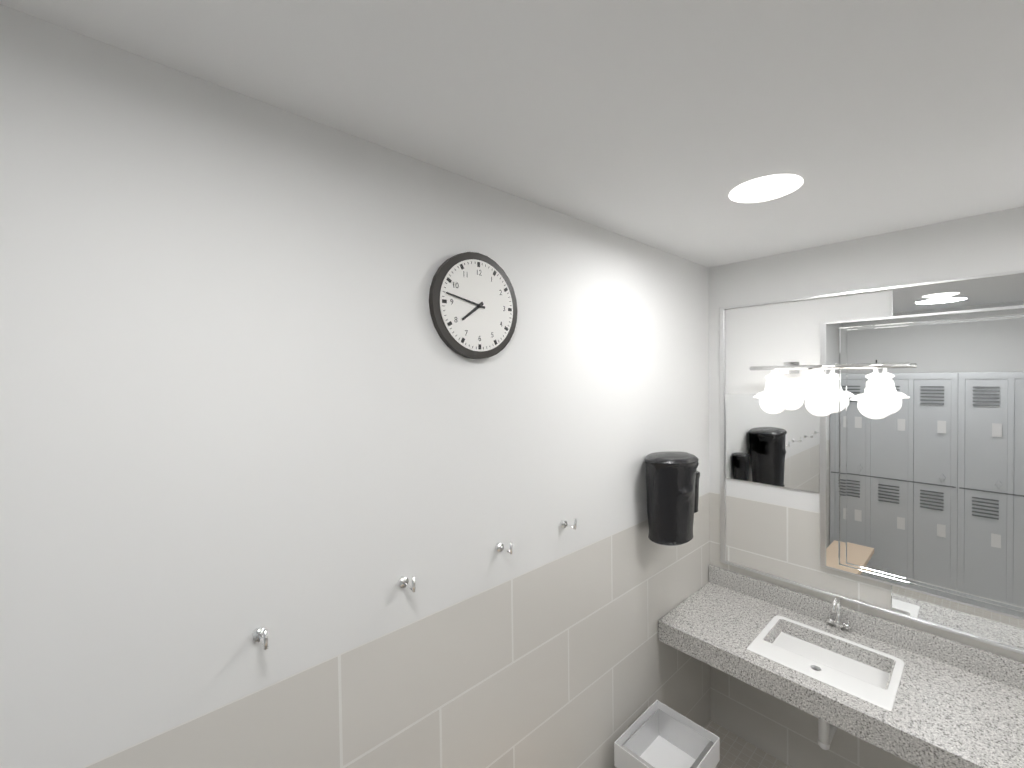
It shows 7h47
